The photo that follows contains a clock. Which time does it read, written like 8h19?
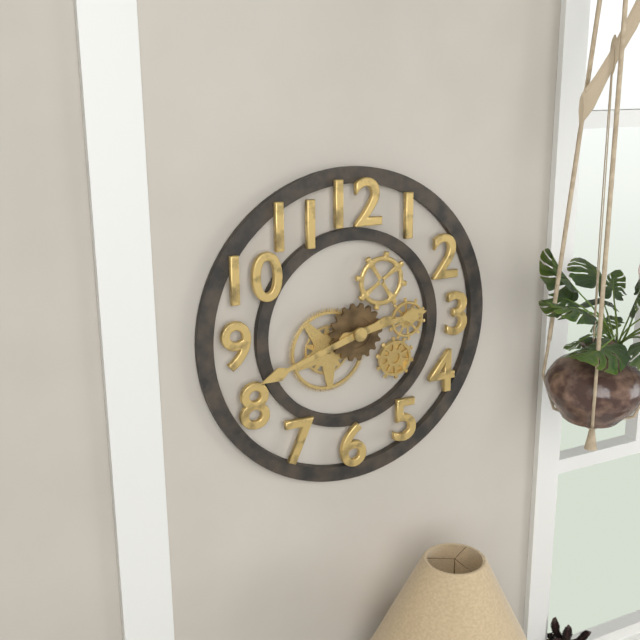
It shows 2h42
